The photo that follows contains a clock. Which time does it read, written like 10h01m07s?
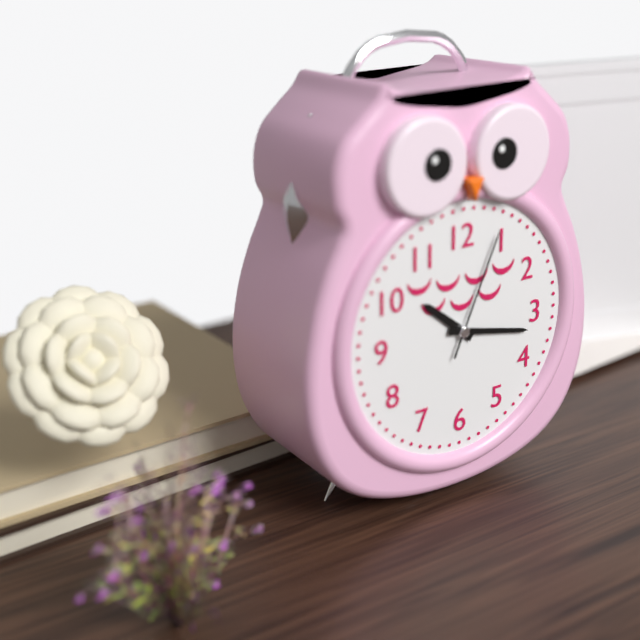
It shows 10h17m04s
